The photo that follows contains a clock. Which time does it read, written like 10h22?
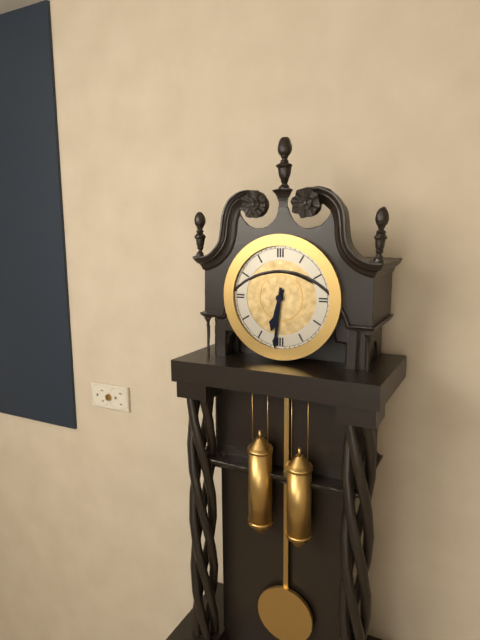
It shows 6h31
